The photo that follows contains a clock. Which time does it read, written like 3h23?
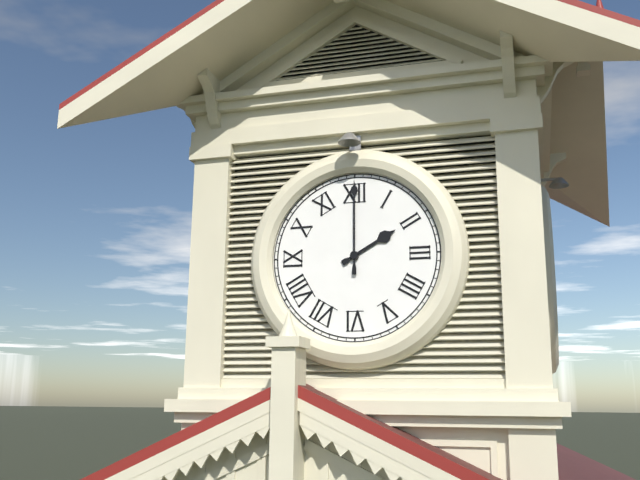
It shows 2h00
